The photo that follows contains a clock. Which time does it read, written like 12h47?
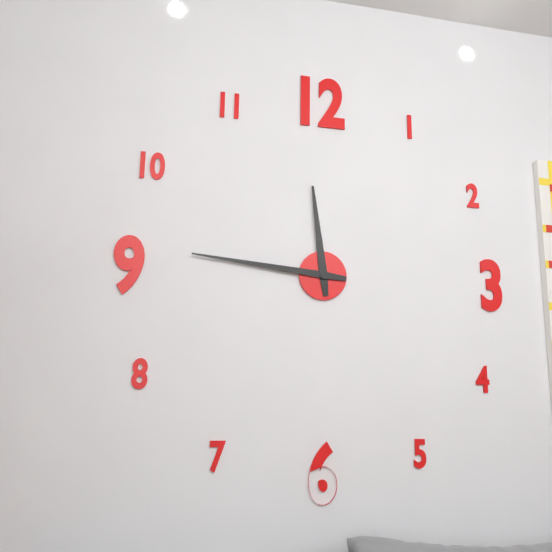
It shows 11h46
